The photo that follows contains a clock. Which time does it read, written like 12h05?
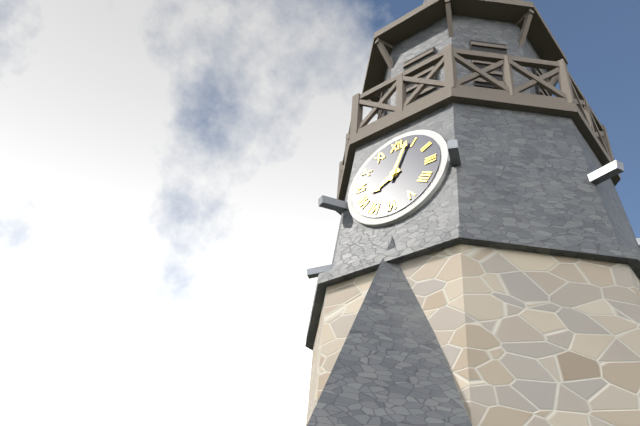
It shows 8h03
